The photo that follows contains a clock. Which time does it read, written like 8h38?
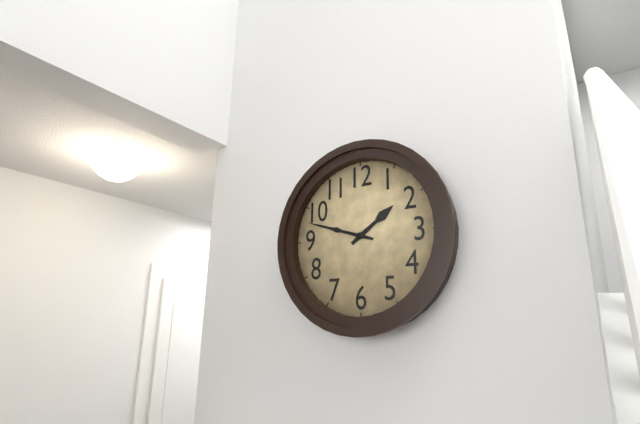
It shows 1h48
